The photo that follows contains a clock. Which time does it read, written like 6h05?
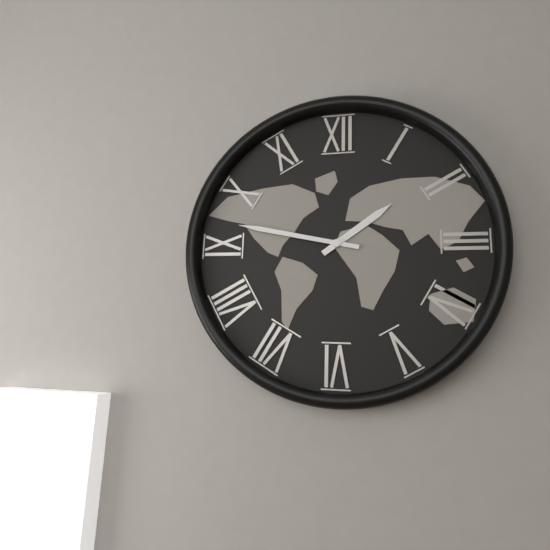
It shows 1h47
